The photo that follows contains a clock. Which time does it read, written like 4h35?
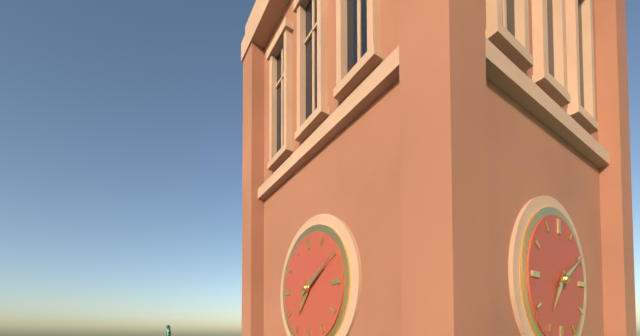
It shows 7h10
